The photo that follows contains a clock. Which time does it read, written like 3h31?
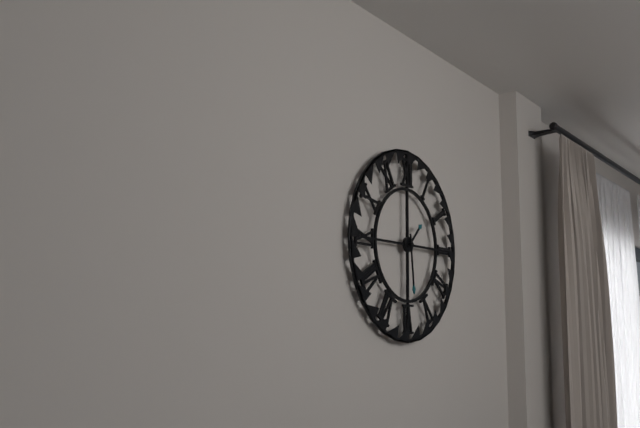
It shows 1h29
